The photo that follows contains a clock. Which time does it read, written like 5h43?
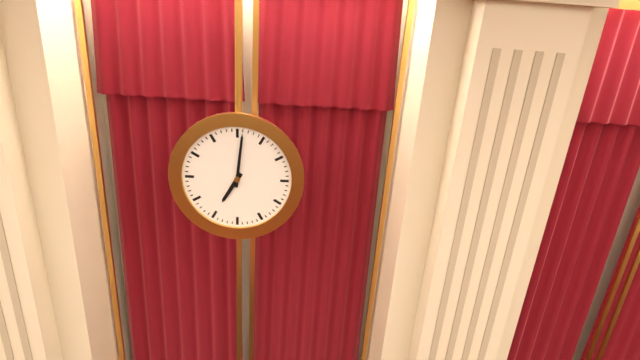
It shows 7h01
